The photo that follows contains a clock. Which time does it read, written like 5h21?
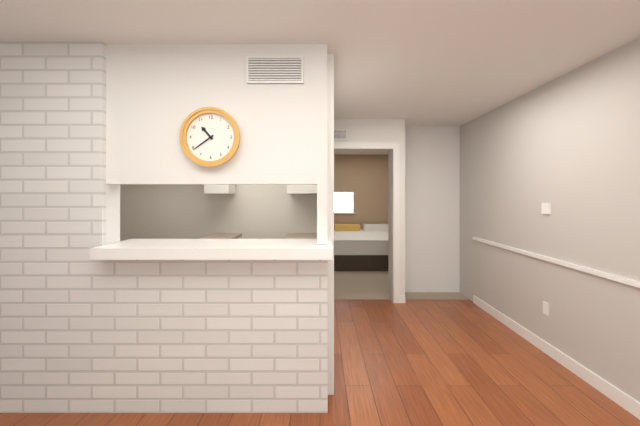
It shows 10h39
